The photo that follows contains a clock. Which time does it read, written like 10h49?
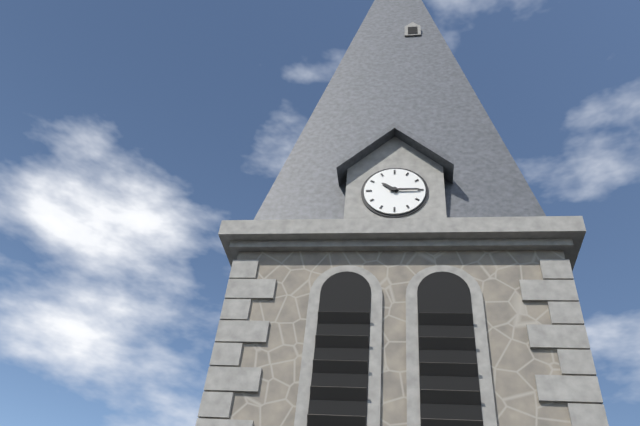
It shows 10h15
